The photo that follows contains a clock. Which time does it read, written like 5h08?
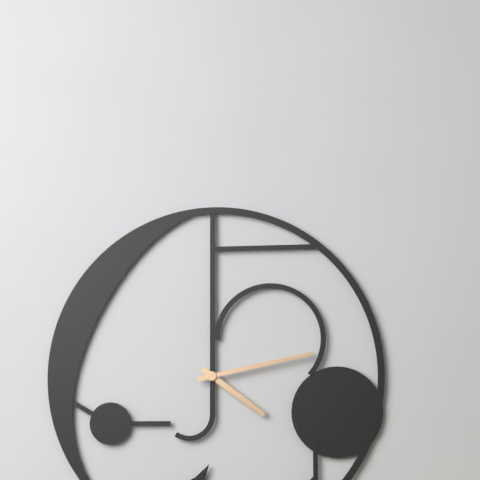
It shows 4h13
